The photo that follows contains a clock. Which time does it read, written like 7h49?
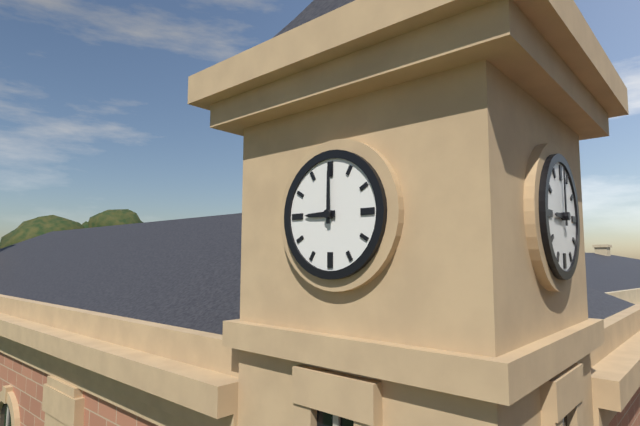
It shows 9h00
